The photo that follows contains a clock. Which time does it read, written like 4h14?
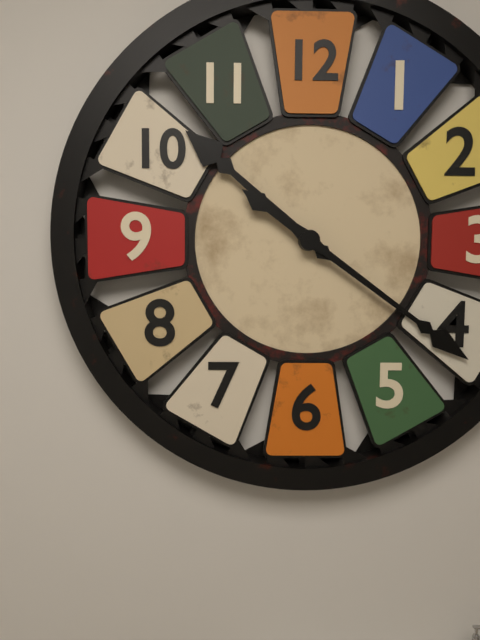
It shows 10h21
